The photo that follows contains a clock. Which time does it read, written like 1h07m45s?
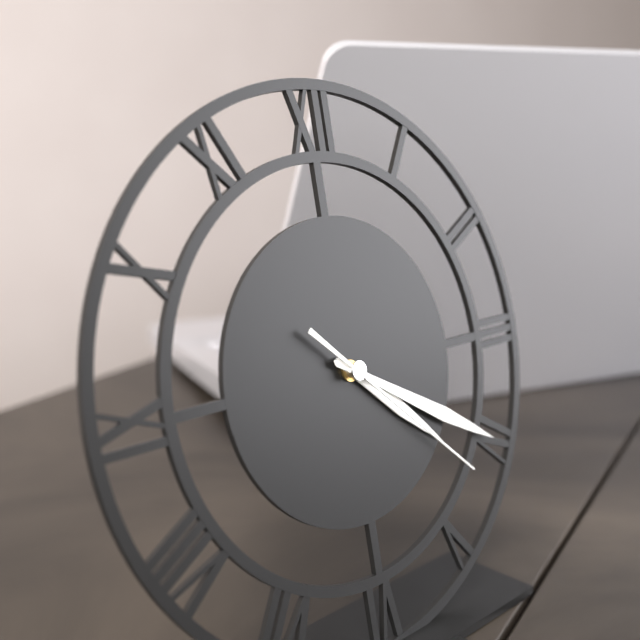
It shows 4h20m22s
